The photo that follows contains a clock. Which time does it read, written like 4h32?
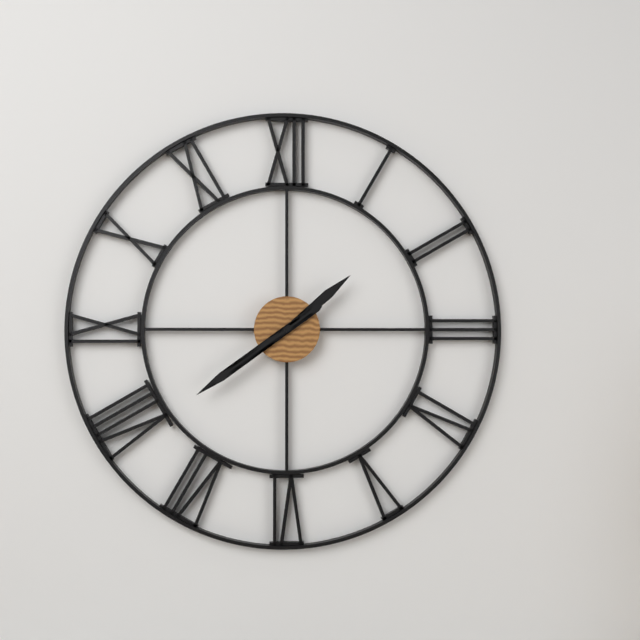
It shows 1h39
